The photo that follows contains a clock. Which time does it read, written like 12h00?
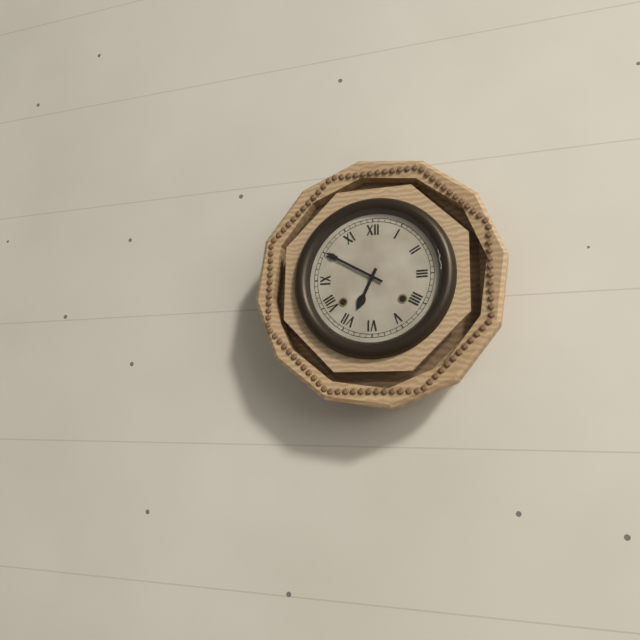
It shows 6h50
